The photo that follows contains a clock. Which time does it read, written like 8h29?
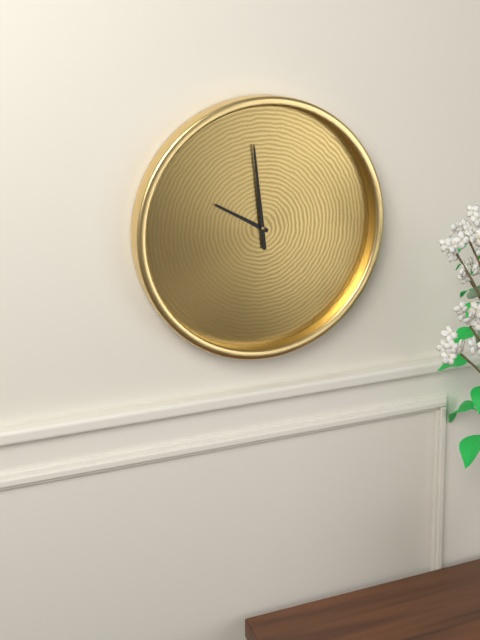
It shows 9h59
